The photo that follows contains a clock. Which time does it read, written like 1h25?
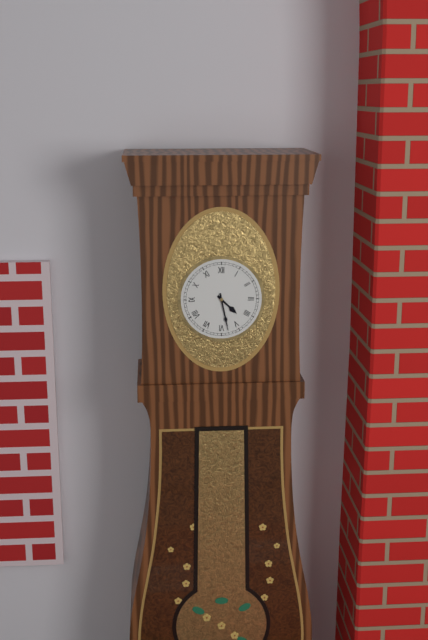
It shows 4h28
